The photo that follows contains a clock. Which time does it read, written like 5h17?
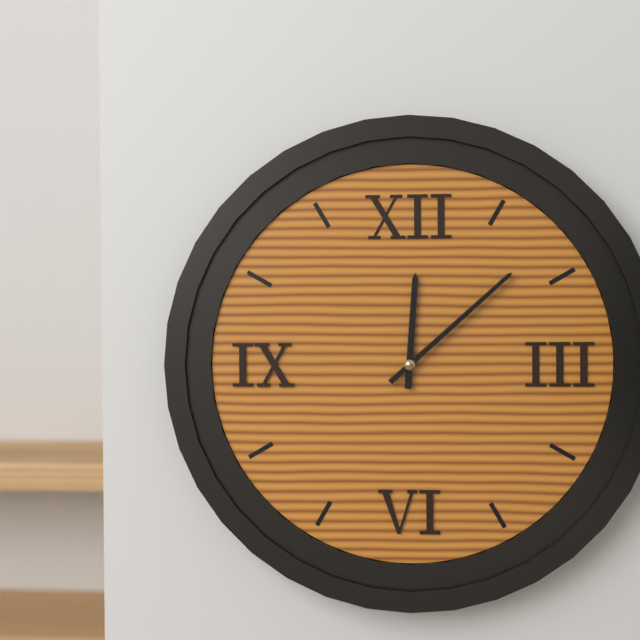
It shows 12h08
